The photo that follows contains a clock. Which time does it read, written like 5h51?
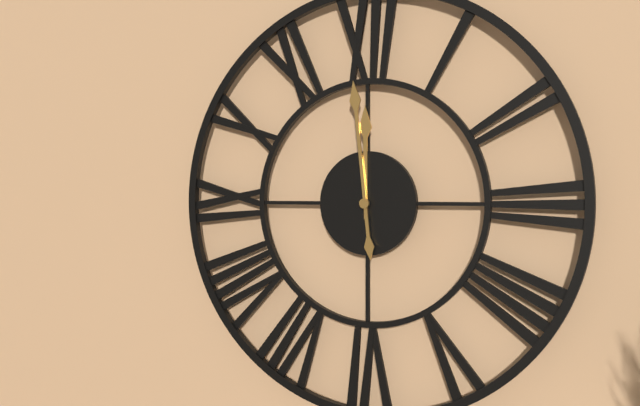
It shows 11h59
